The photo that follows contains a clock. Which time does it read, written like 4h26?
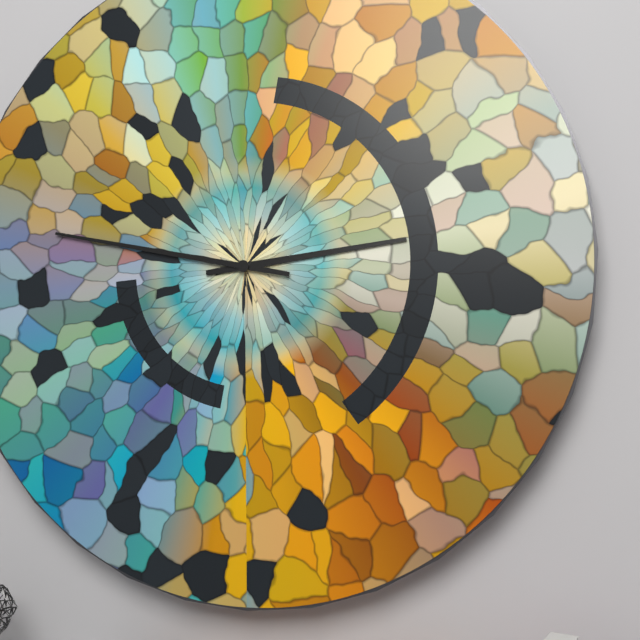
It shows 2h47
